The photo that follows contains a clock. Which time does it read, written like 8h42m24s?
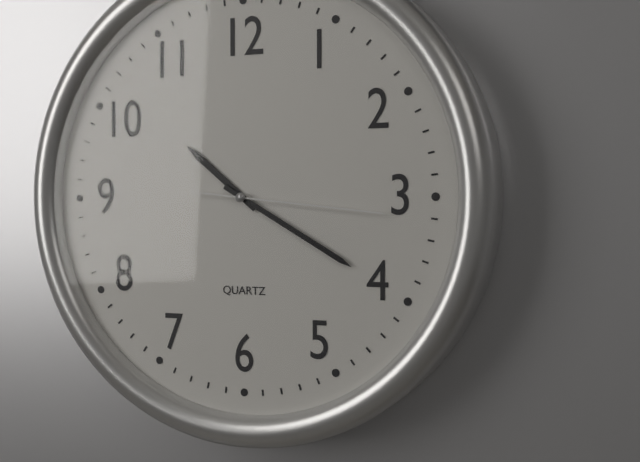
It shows 10h20m16s
